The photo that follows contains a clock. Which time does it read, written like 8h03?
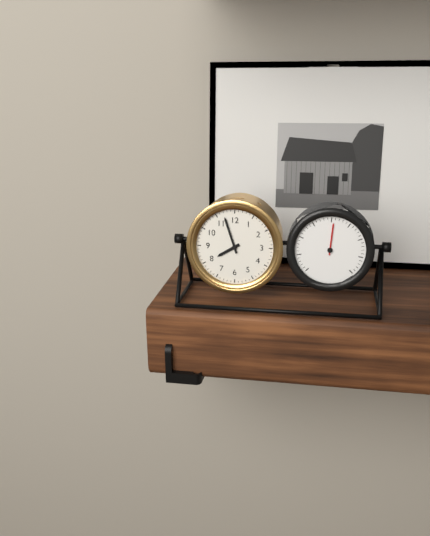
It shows 7h57
